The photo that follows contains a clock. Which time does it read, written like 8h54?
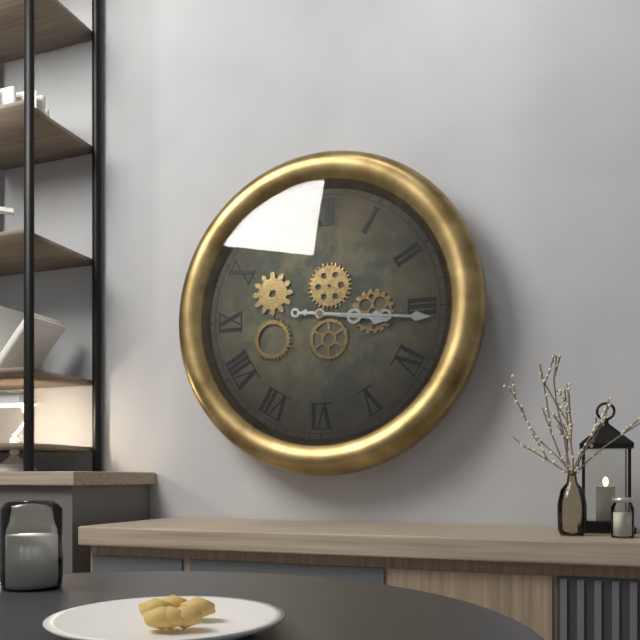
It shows 3h16
